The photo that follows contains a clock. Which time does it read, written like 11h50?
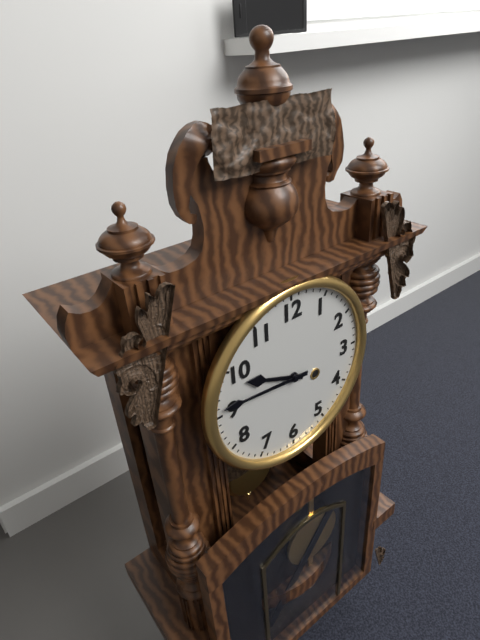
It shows 9h46
